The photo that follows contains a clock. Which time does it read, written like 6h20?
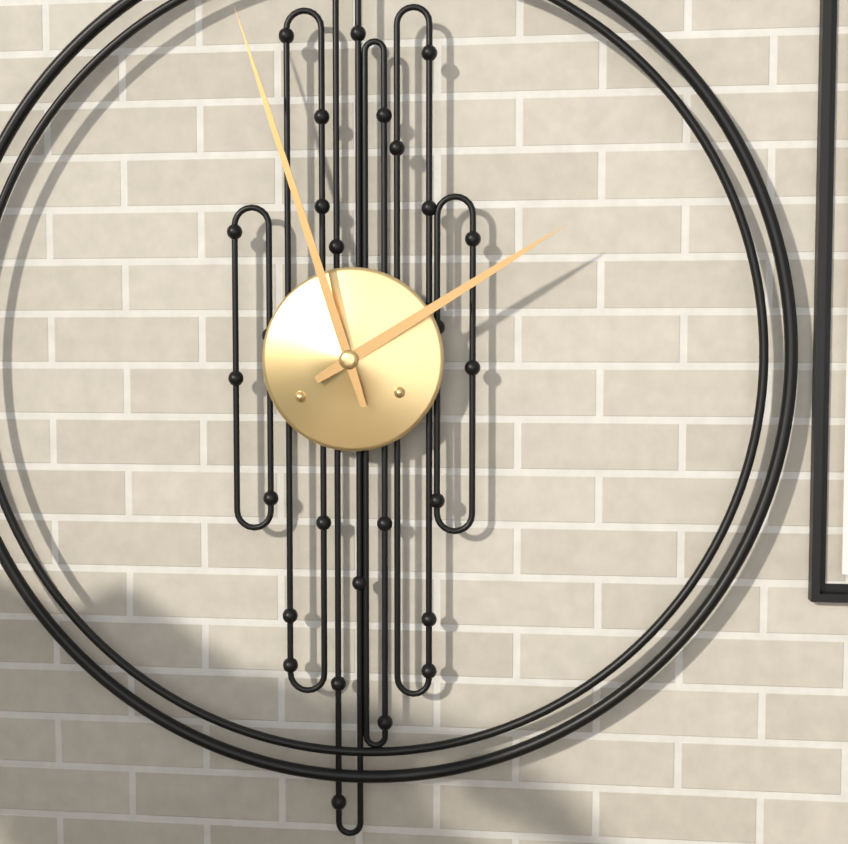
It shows 1h57
